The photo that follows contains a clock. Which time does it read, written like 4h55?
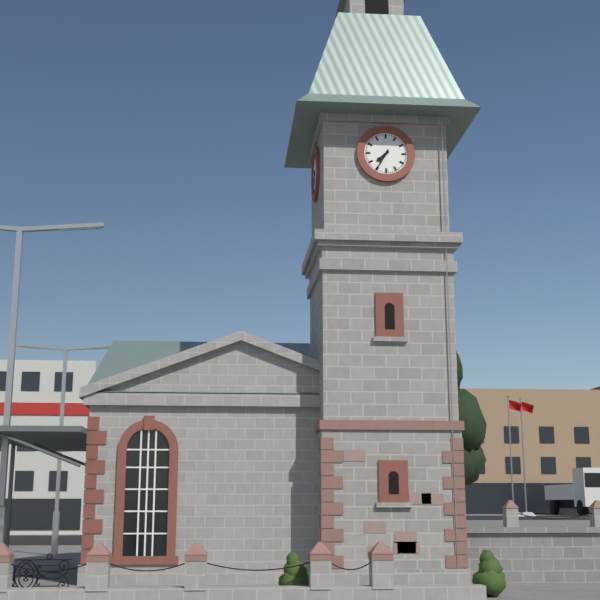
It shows 7h35
